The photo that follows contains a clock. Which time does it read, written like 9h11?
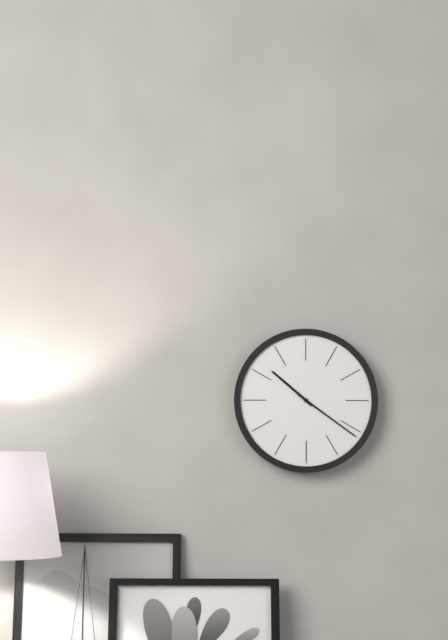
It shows 10h21
